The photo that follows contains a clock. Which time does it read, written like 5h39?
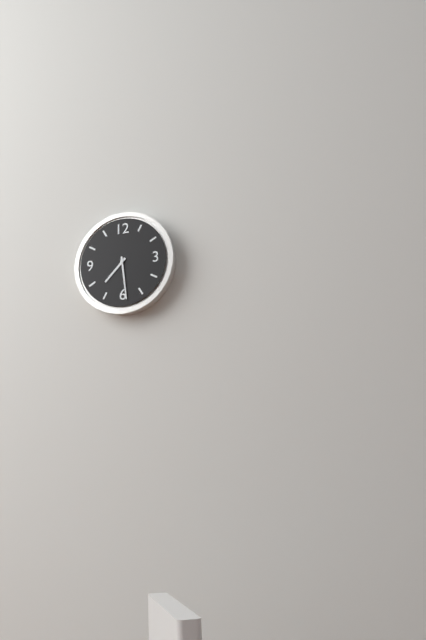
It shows 7h29
